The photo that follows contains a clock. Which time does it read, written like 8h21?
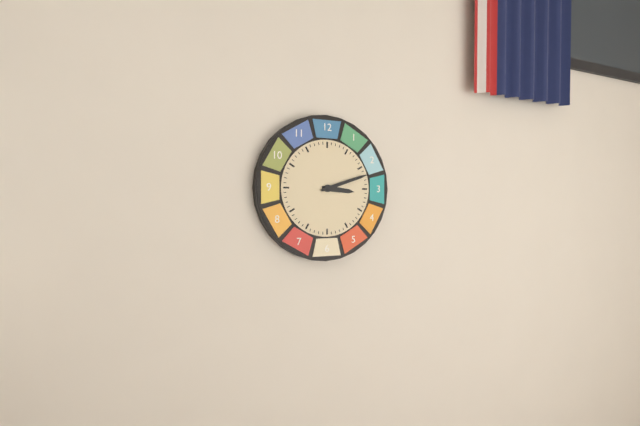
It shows 3h12
